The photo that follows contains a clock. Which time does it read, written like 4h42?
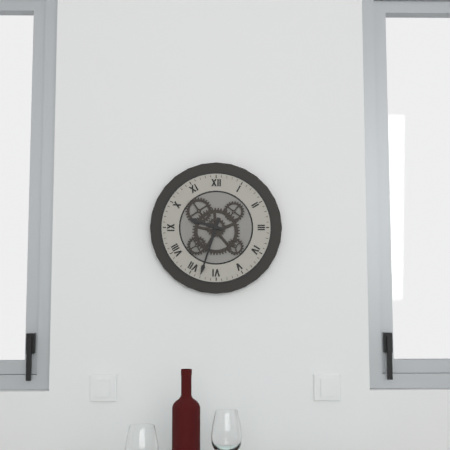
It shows 9h33
